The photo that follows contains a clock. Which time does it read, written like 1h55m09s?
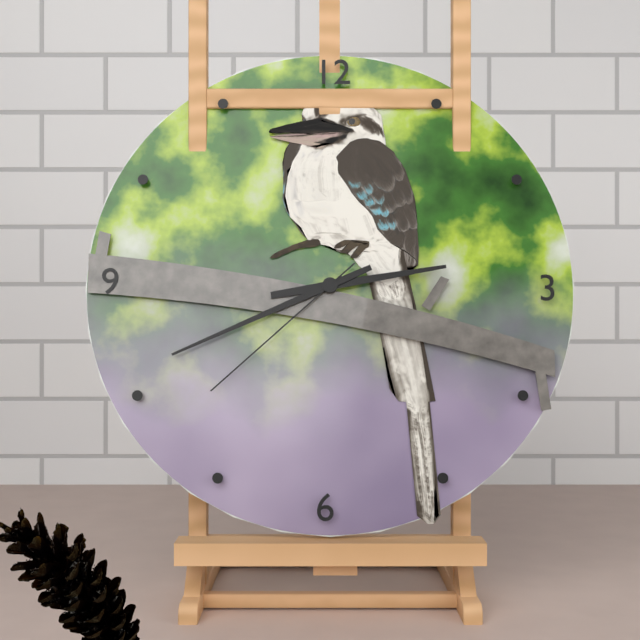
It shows 2h41m38s
